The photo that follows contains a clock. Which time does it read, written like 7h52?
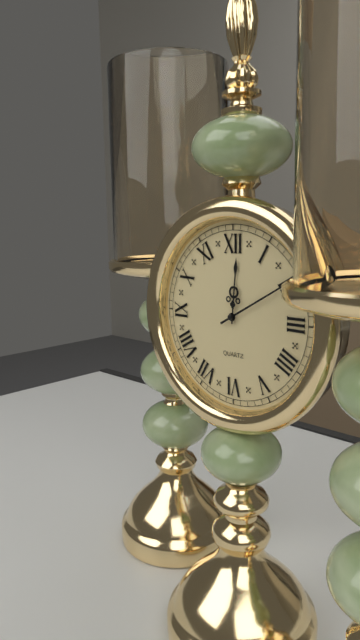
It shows 12h10
